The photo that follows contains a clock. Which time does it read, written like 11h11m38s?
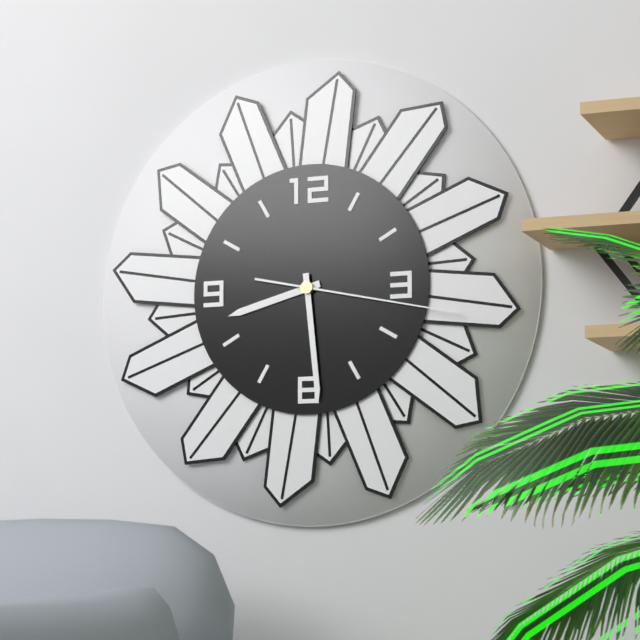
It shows 8h29m17s
